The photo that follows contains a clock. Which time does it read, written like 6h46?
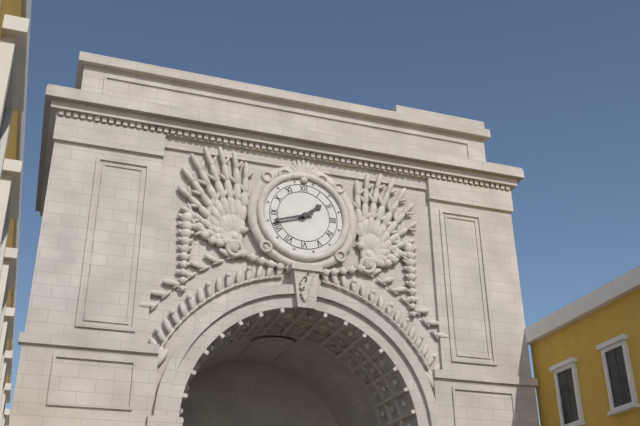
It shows 1h42
